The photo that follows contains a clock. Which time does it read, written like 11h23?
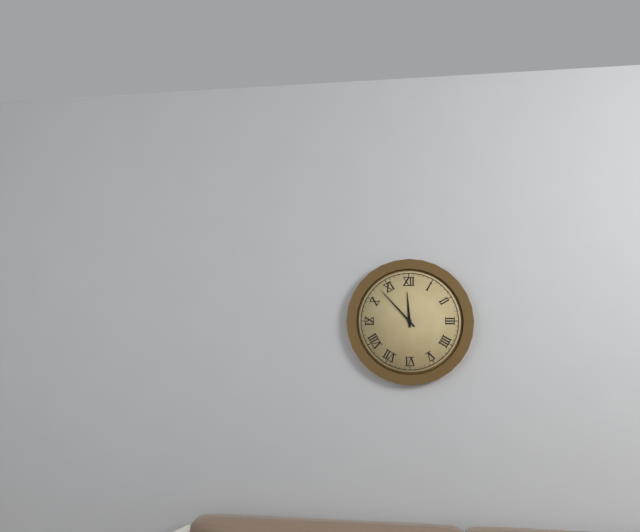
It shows 11h53
